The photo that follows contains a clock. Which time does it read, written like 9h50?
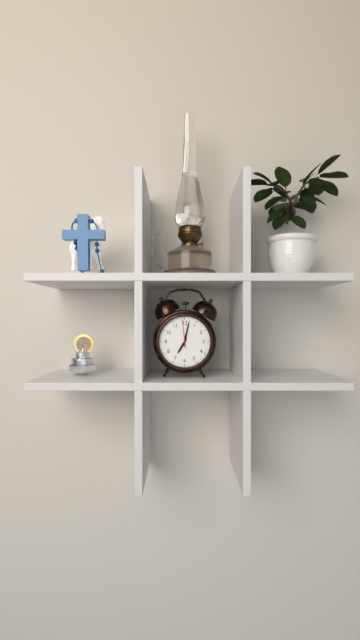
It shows 7h02
